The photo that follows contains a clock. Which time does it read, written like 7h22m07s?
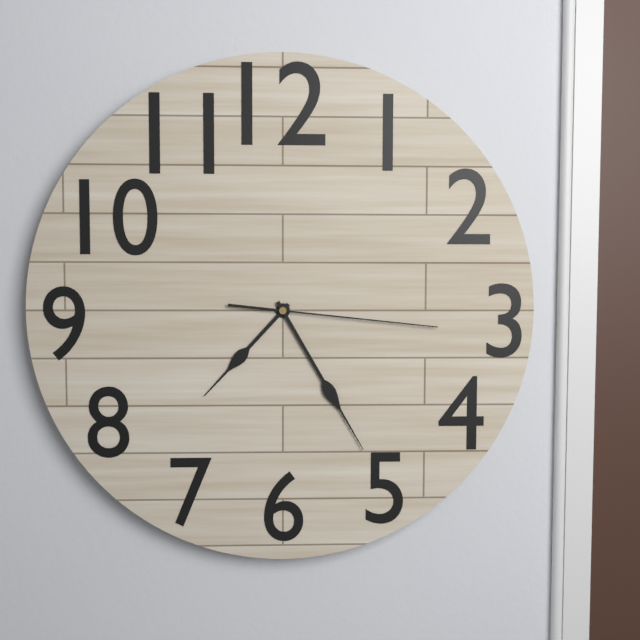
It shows 7h25m16s
